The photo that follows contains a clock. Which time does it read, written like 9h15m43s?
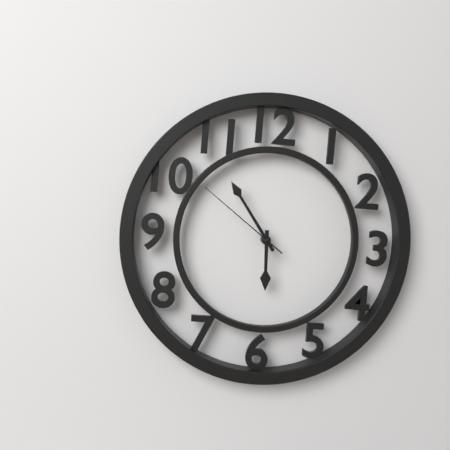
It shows 5h54m51s
